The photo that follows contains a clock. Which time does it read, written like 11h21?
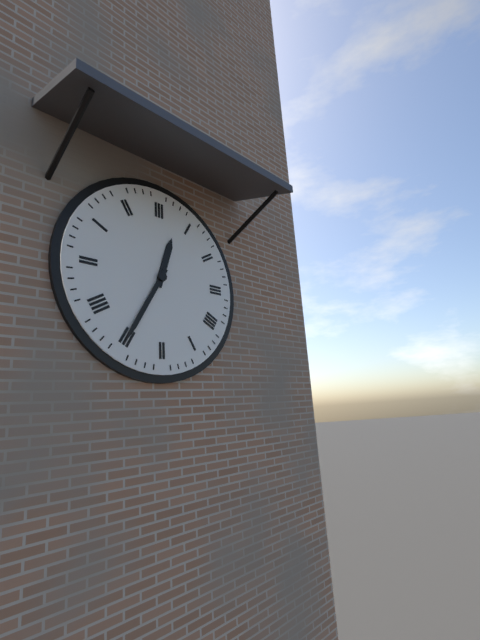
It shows 12h35
